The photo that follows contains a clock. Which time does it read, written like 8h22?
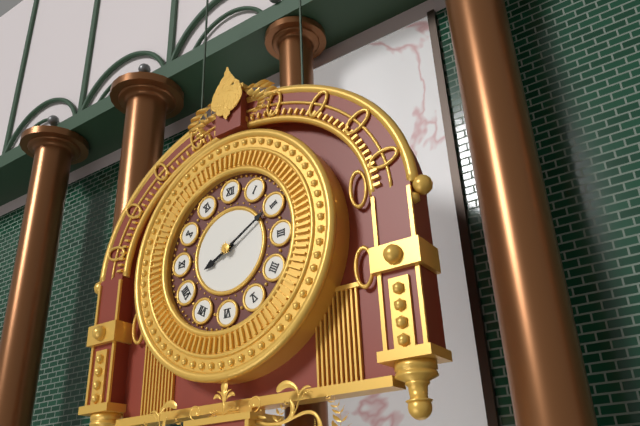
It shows 8h10
